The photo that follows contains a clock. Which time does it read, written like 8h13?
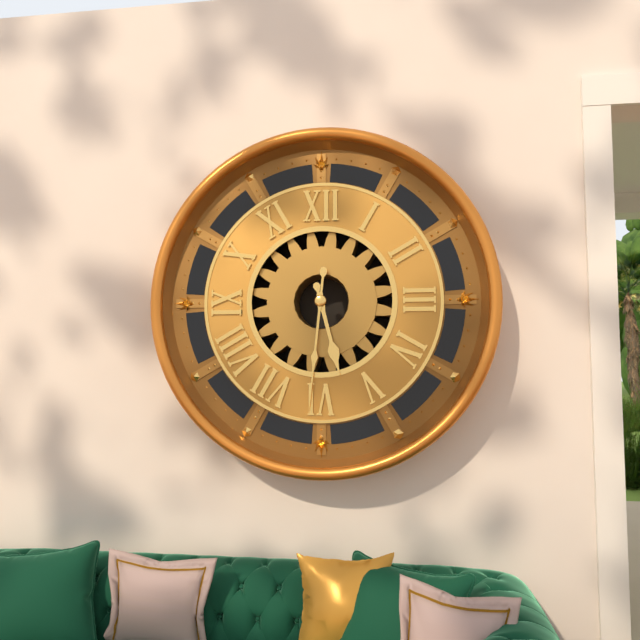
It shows 5h31
